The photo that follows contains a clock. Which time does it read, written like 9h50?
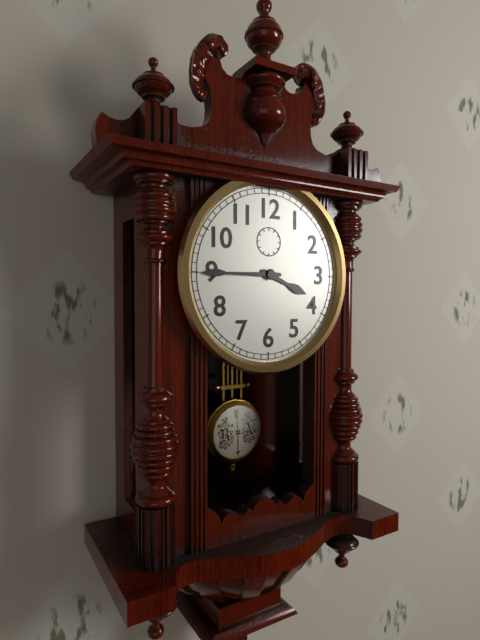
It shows 3h45
